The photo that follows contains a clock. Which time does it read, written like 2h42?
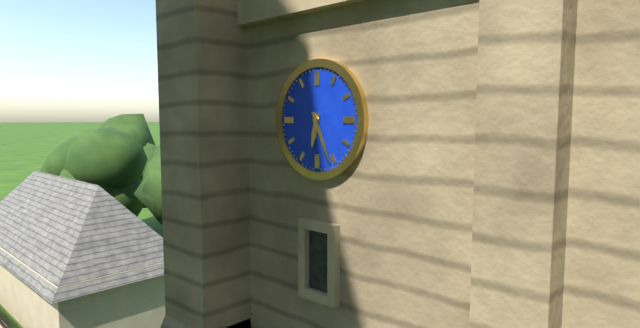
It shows 6h26
